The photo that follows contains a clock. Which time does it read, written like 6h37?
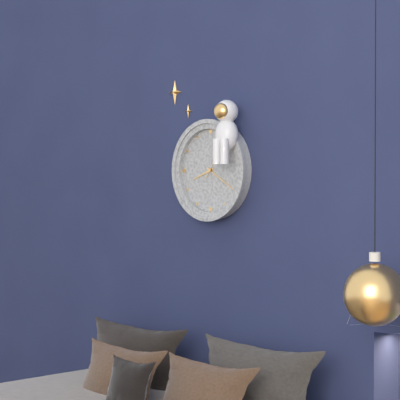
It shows 8h20
